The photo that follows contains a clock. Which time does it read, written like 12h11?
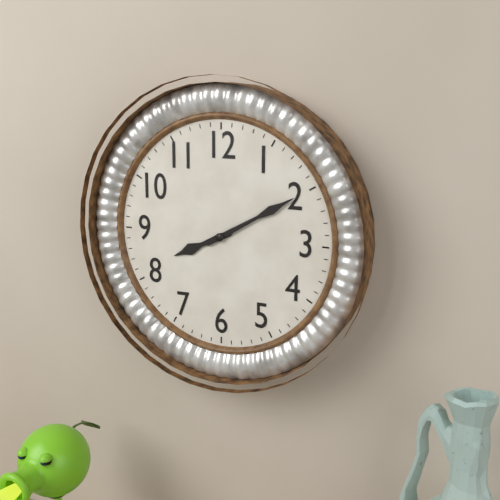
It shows 8h10
